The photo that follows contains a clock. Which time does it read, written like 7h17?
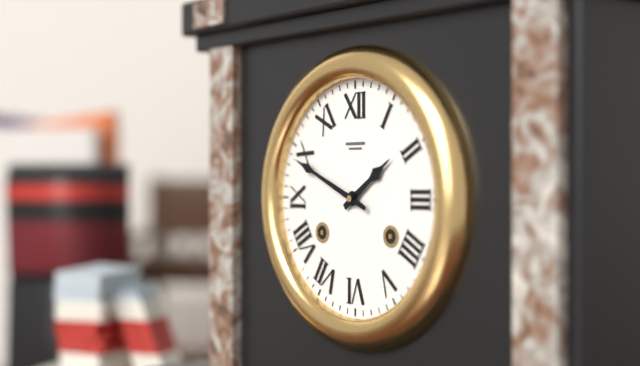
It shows 1h49
